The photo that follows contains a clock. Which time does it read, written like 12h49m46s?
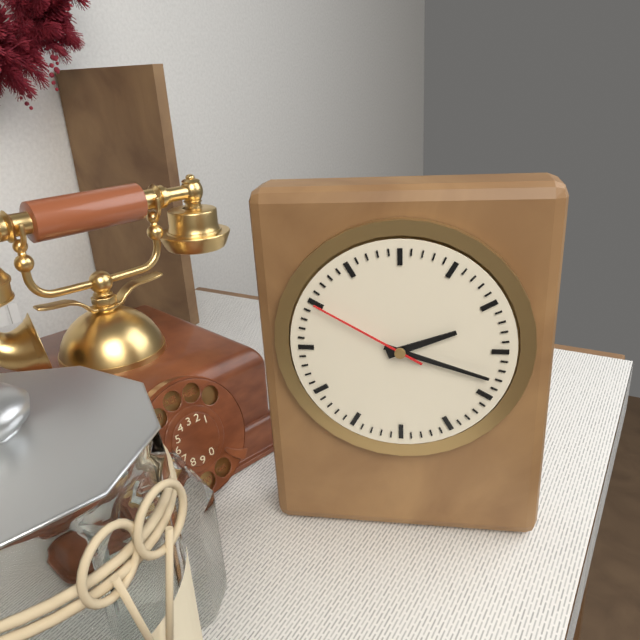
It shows 2h18m50s
